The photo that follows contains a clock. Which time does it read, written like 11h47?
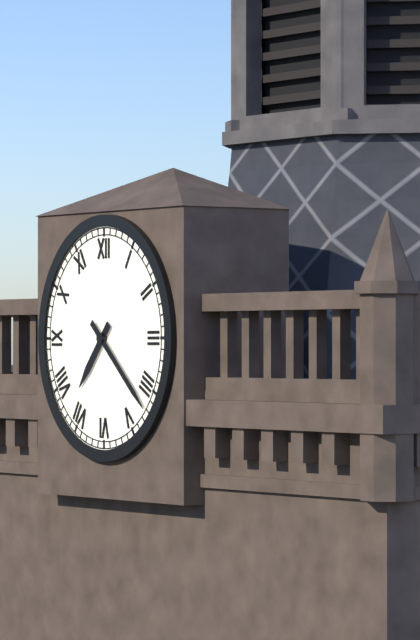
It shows 7h22
